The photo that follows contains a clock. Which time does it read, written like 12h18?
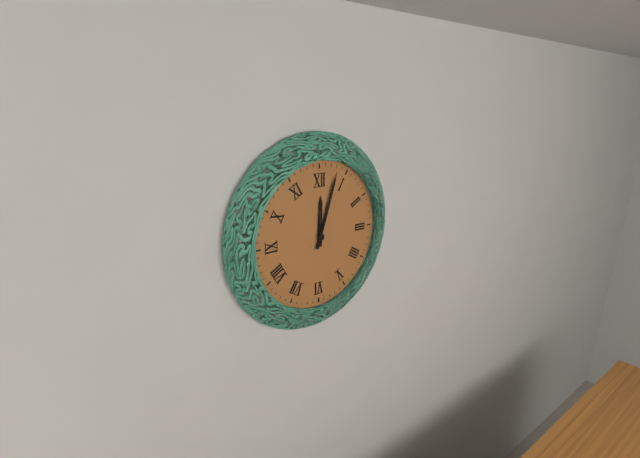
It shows 12h03
